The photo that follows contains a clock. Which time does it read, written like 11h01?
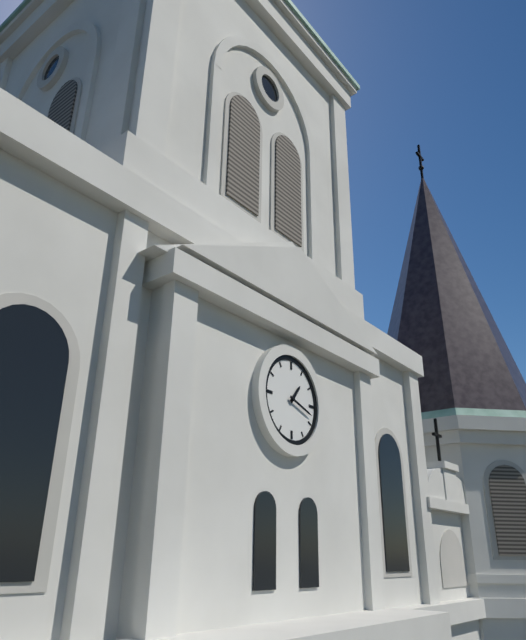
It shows 1h18
